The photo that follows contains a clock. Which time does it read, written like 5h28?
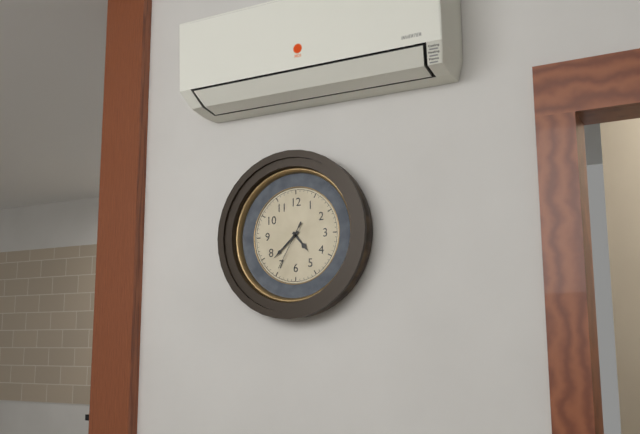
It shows 4h38
